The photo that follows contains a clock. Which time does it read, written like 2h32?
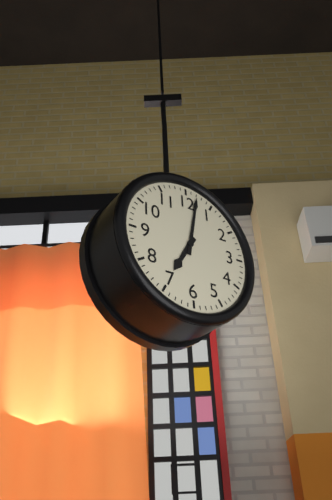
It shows 7h02
